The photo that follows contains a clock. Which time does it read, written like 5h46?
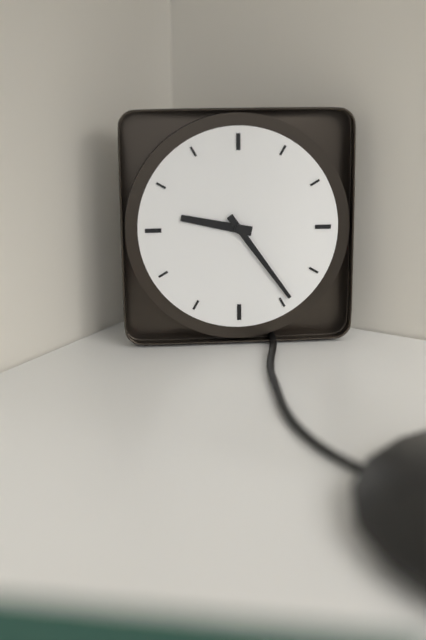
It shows 9h24
